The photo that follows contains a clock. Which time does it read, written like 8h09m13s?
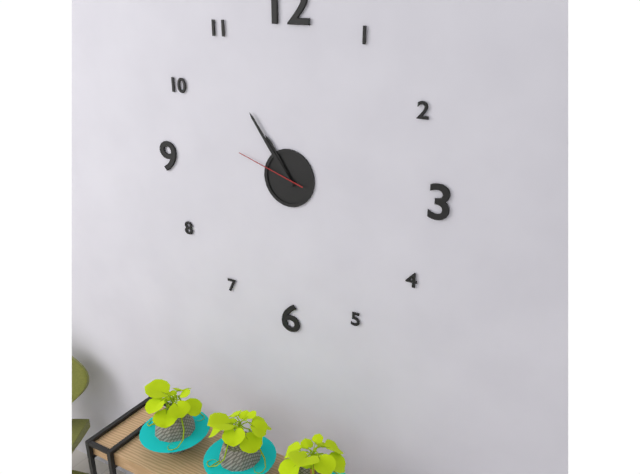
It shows 10h54m48s
